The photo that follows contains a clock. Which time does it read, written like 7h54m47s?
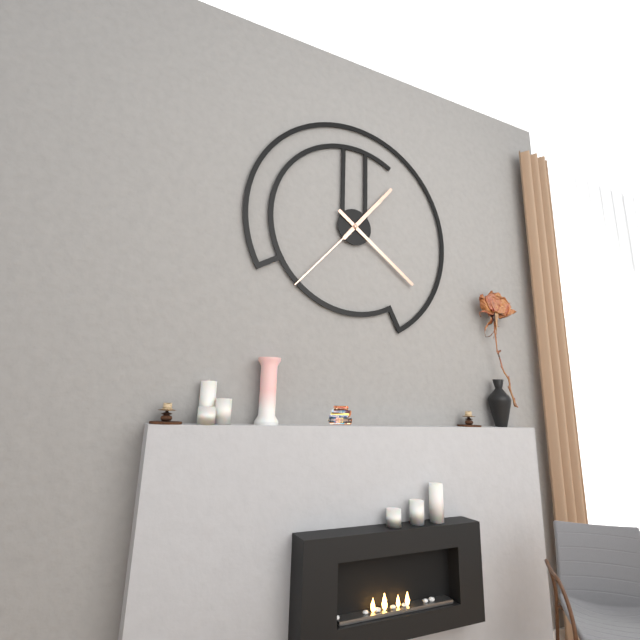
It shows 1h21m37s
